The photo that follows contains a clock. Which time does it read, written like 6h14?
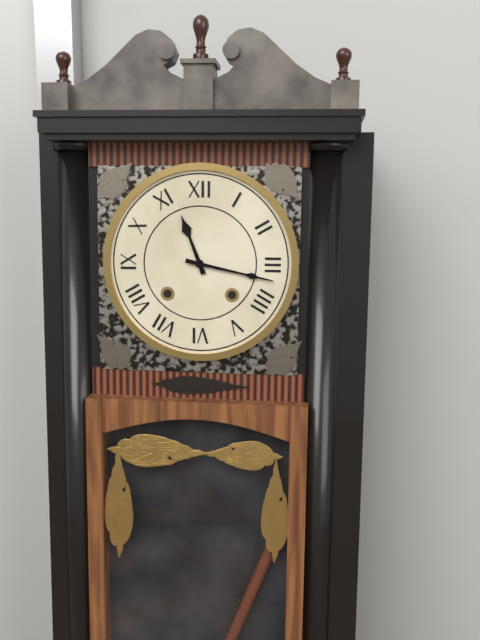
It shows 11h17
